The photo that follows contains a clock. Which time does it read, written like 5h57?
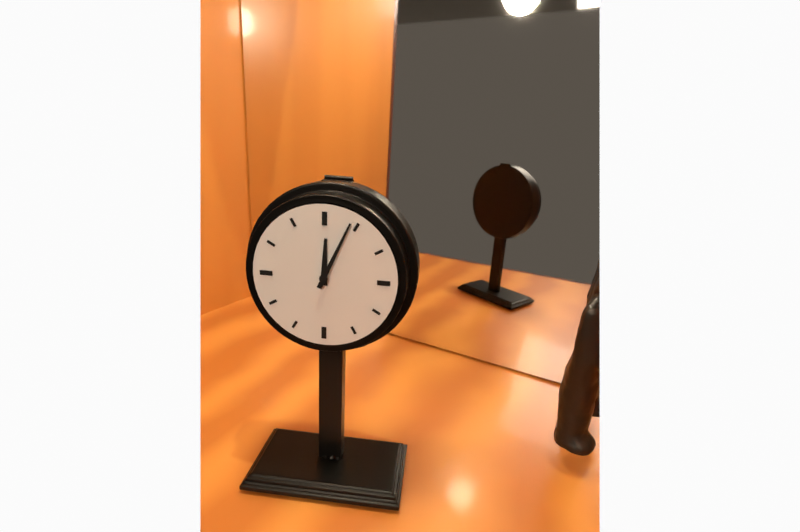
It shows 12h04
